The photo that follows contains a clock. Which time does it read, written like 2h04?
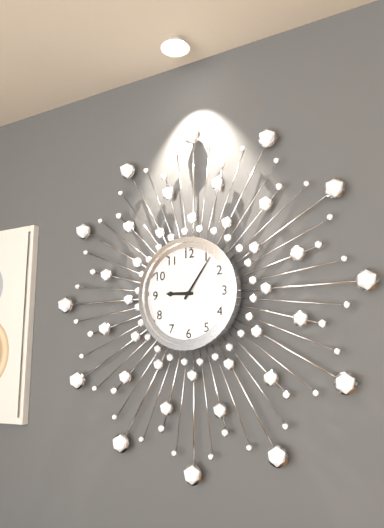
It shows 9h06
